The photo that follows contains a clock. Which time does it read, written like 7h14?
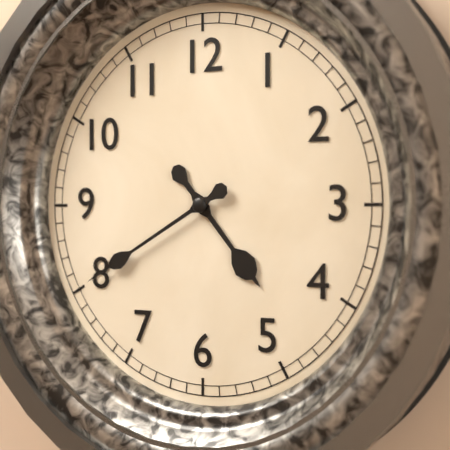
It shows 4h40
